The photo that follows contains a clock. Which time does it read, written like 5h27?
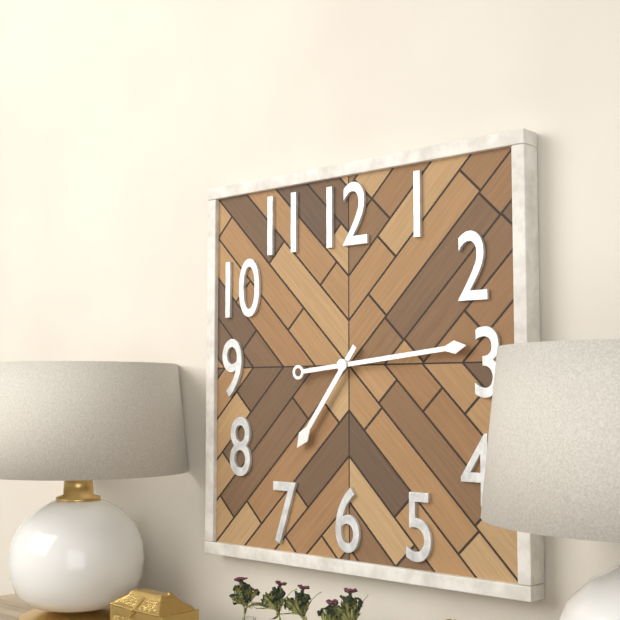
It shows 7h14
